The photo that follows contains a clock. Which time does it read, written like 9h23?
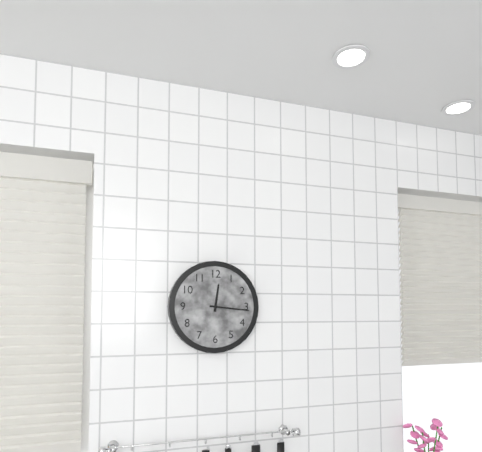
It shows 12h16
